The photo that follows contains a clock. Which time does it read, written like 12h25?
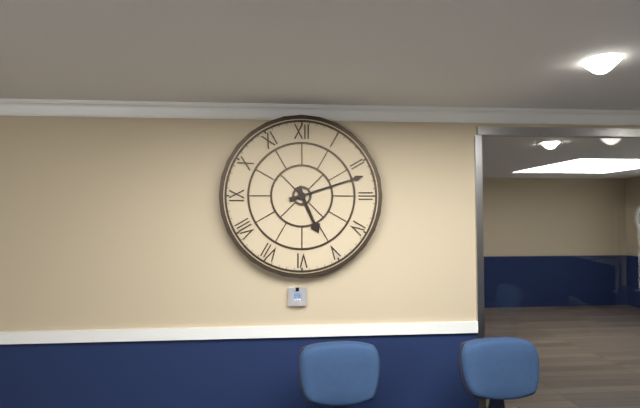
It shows 5h12
